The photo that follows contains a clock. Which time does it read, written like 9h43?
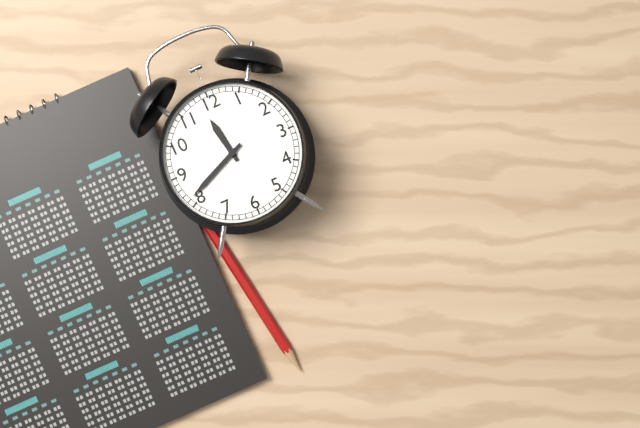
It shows 11h41
